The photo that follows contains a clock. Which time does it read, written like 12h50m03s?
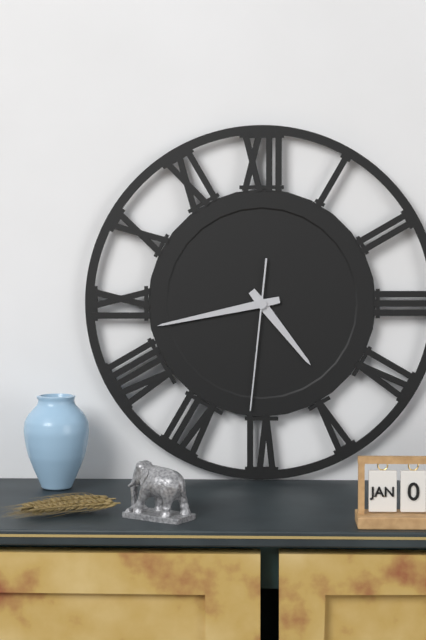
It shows 4h43m31s
